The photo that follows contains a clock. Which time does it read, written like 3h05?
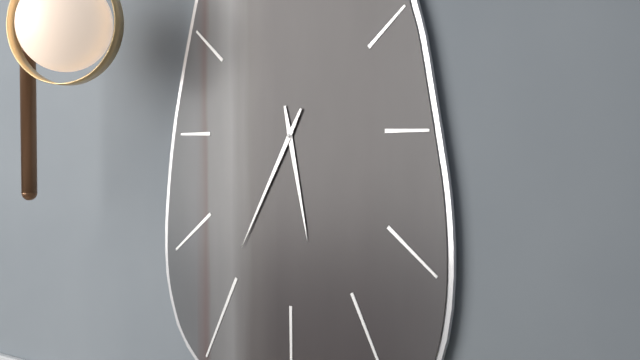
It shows 5h35
